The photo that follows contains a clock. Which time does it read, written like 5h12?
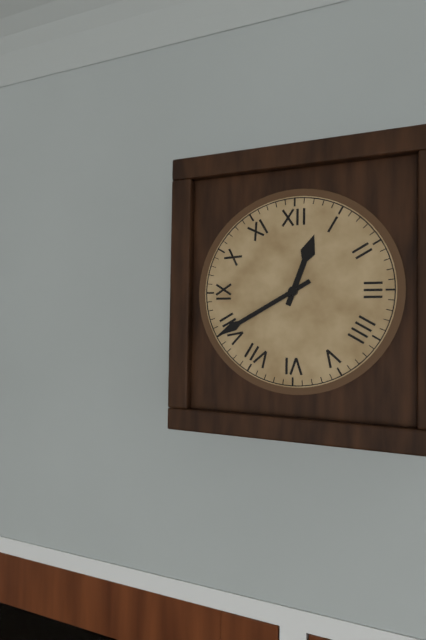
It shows 12h40
